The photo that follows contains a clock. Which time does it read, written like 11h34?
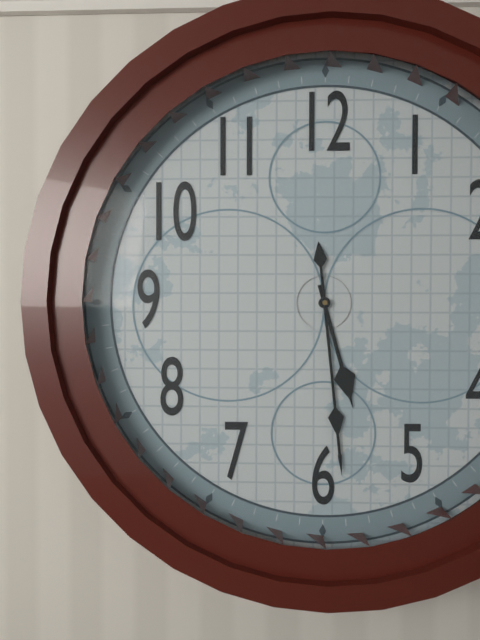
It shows 5h29
